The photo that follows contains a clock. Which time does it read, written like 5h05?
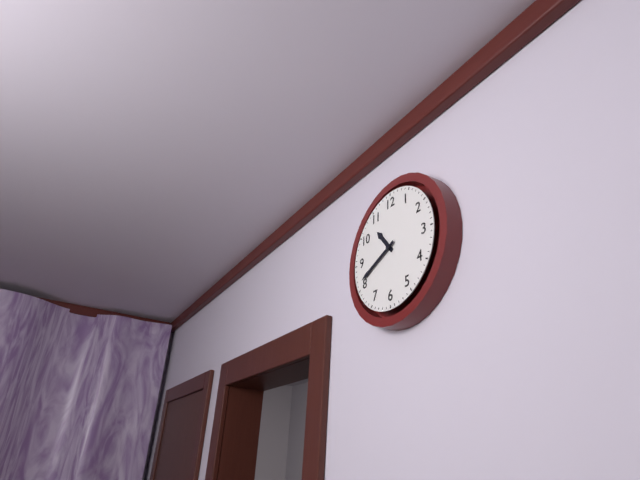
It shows 10h41
